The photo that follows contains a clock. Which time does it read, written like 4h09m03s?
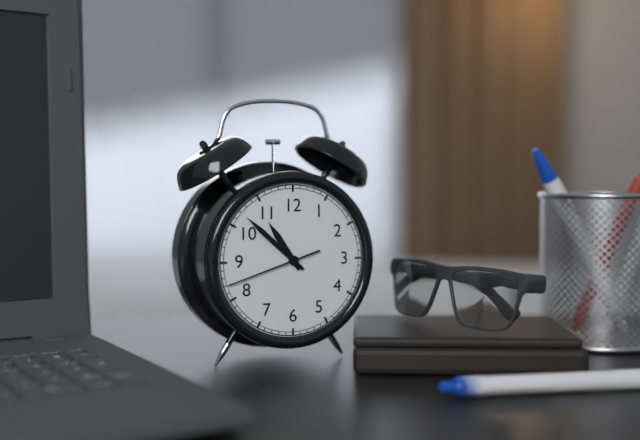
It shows 10h52m42s
